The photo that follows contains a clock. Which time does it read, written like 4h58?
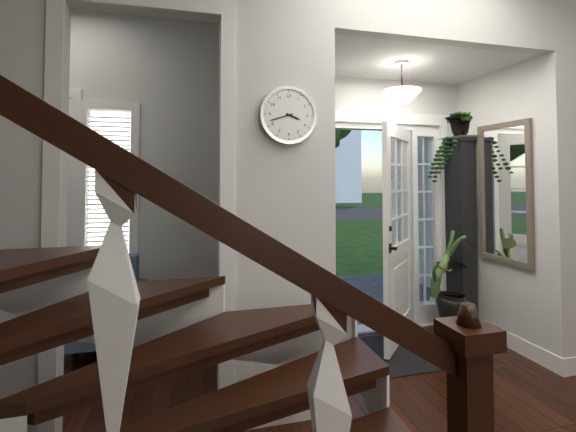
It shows 3h42
